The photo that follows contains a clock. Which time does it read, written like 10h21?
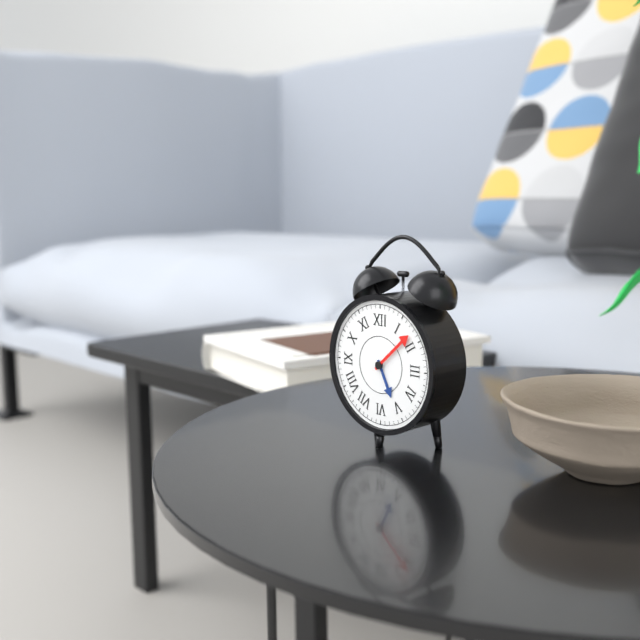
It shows 5h08
